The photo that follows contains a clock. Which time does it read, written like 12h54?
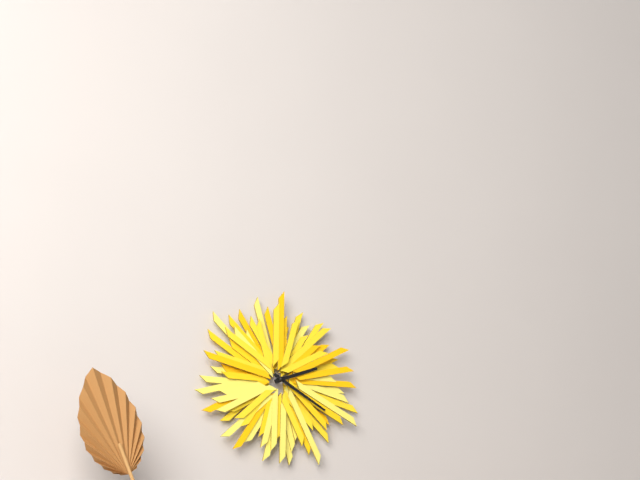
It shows 2h20
